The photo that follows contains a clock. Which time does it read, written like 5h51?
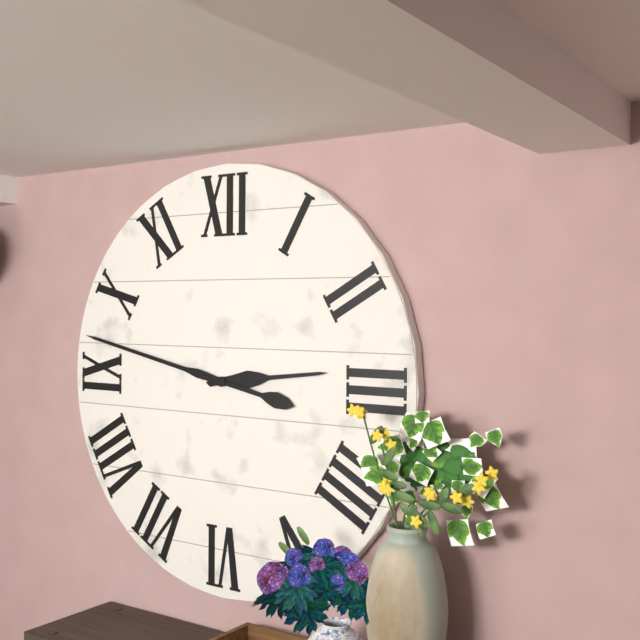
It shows 2h47
